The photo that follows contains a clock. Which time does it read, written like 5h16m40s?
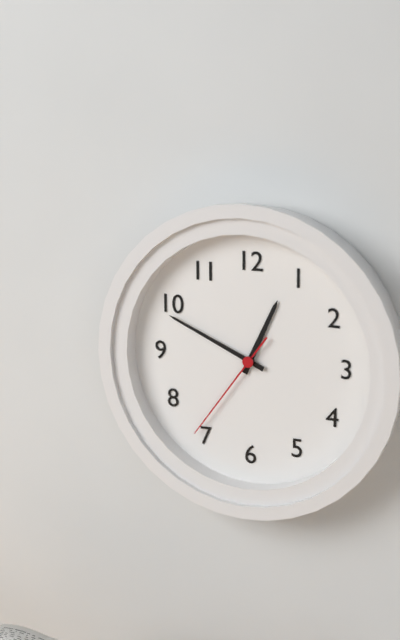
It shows 12h49m36s
